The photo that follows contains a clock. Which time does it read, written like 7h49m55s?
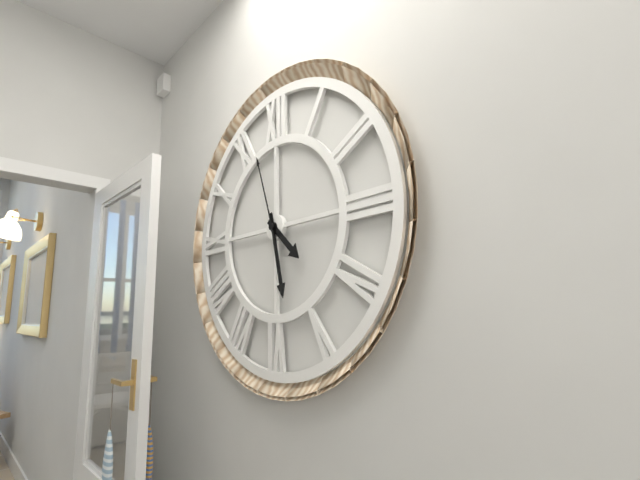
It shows 4h28m57s
